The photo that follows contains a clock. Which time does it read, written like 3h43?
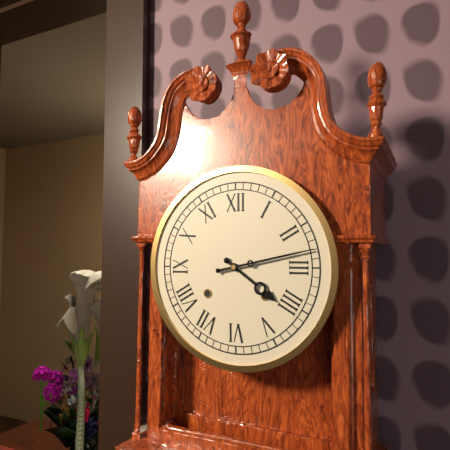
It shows 4h13
